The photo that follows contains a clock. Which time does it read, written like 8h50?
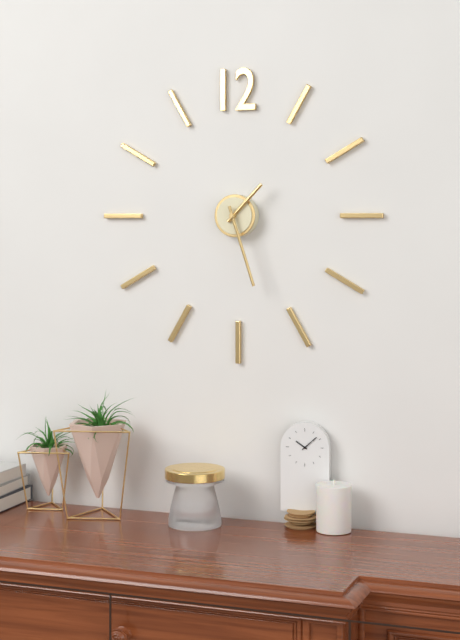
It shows 1h27
